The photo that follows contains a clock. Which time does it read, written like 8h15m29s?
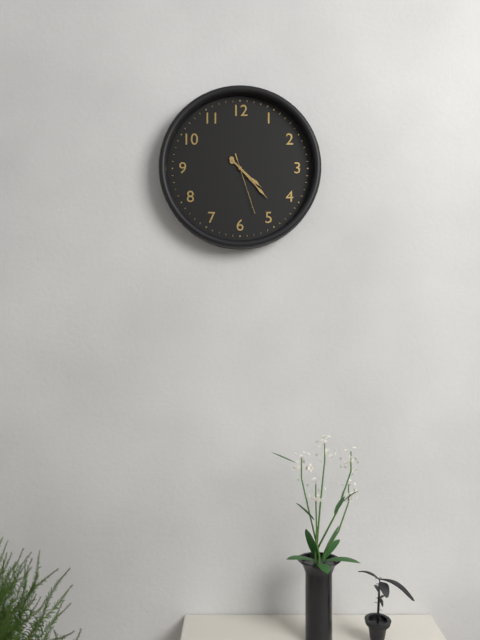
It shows 4h23m27s
